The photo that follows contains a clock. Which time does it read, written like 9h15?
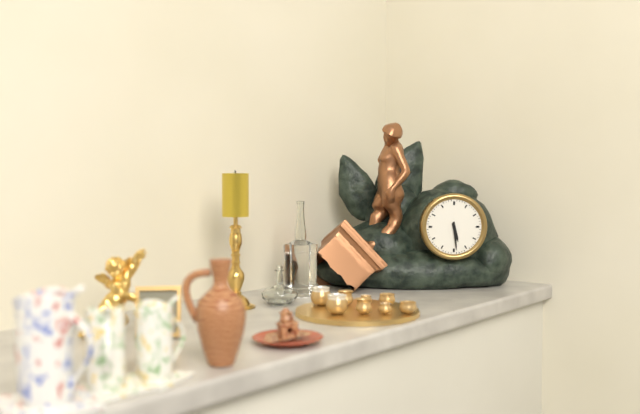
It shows 5h29
